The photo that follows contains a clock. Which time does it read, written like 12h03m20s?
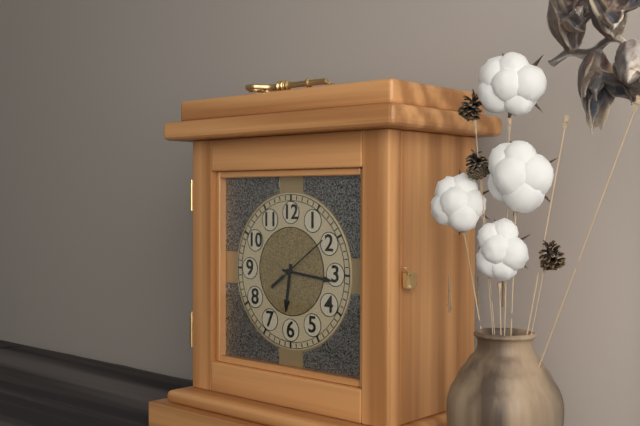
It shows 6h16m09s
